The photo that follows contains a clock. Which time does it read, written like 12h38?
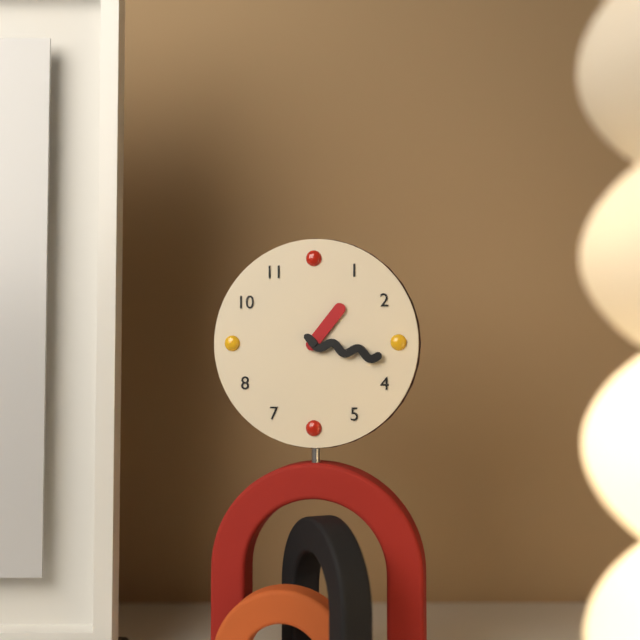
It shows 1h17
